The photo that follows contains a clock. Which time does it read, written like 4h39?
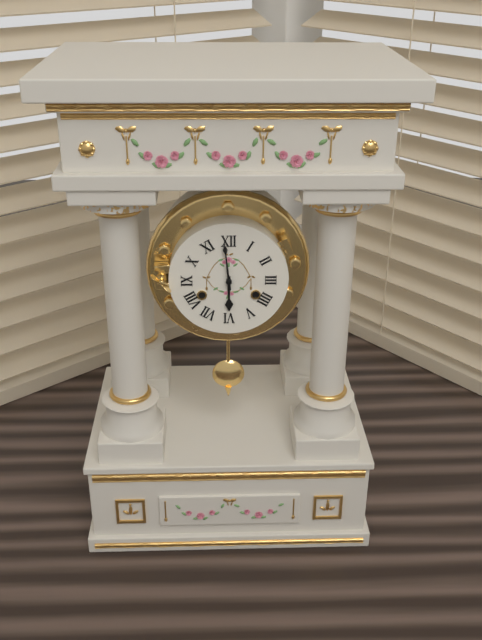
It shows 5h59
